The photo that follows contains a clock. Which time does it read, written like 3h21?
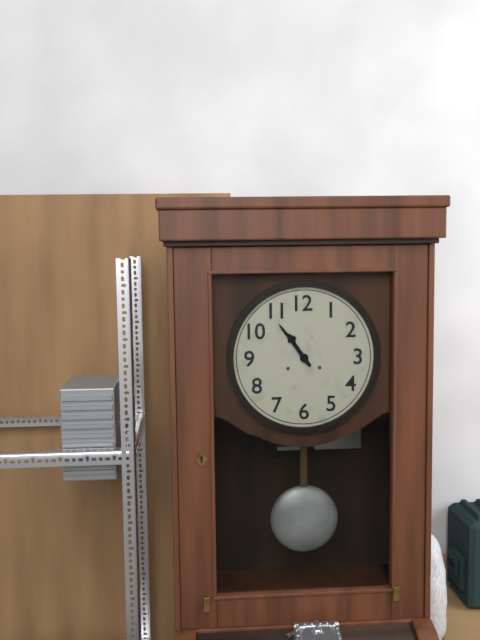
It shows 10h54
